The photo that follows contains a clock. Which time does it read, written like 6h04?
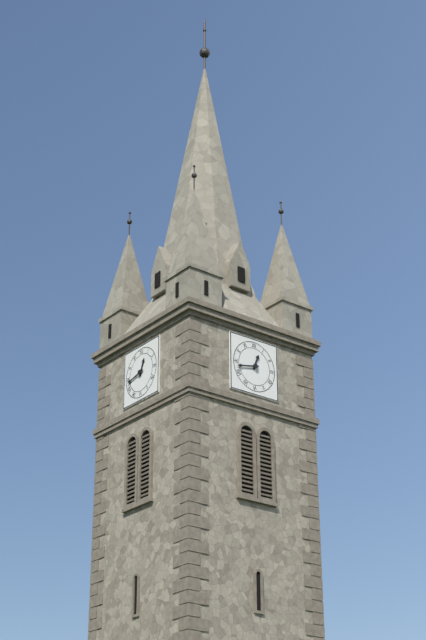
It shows 12h43
